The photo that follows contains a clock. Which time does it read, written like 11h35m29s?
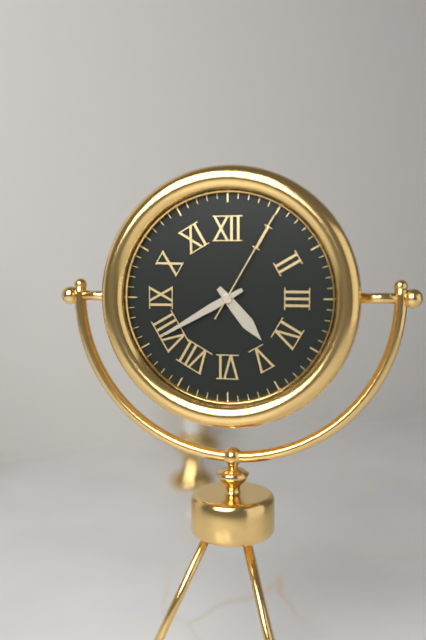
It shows 4h40m05s
